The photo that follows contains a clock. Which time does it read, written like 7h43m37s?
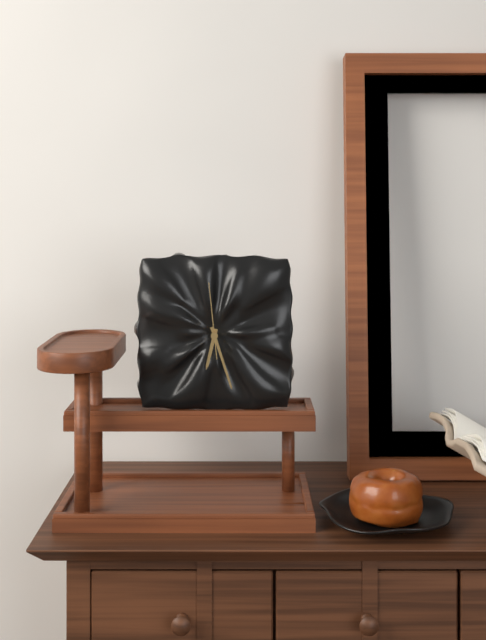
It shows 6h27m59s
